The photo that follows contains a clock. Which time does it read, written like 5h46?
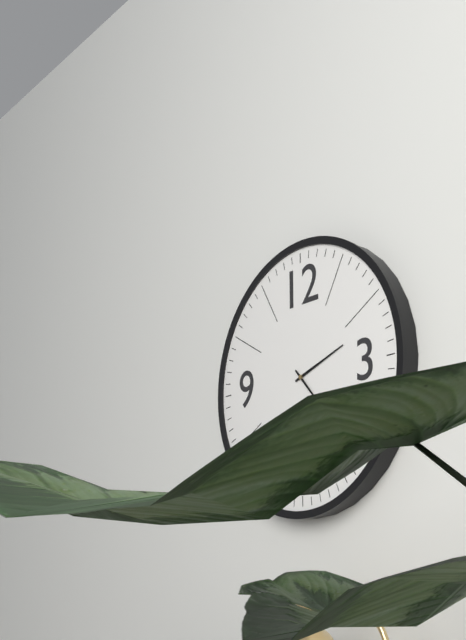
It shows 2h23
